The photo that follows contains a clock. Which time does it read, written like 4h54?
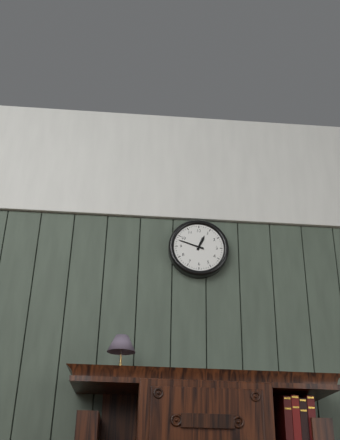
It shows 12h48
